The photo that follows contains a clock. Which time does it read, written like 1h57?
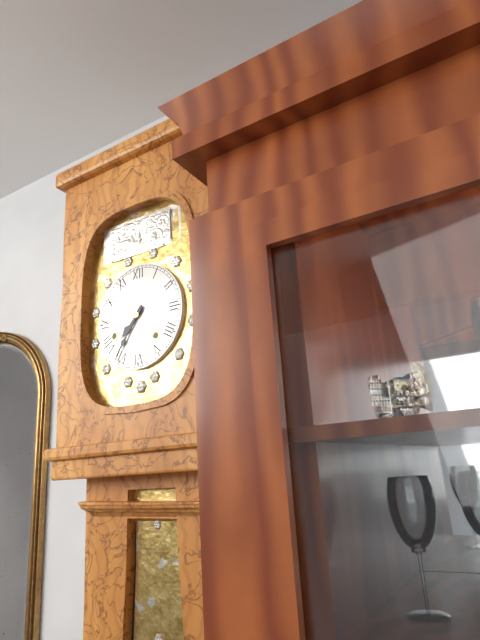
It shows 7h36
